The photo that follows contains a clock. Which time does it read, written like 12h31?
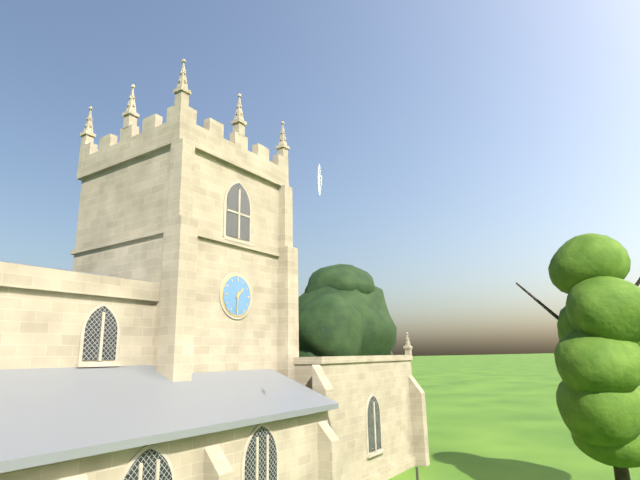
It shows 1h31
